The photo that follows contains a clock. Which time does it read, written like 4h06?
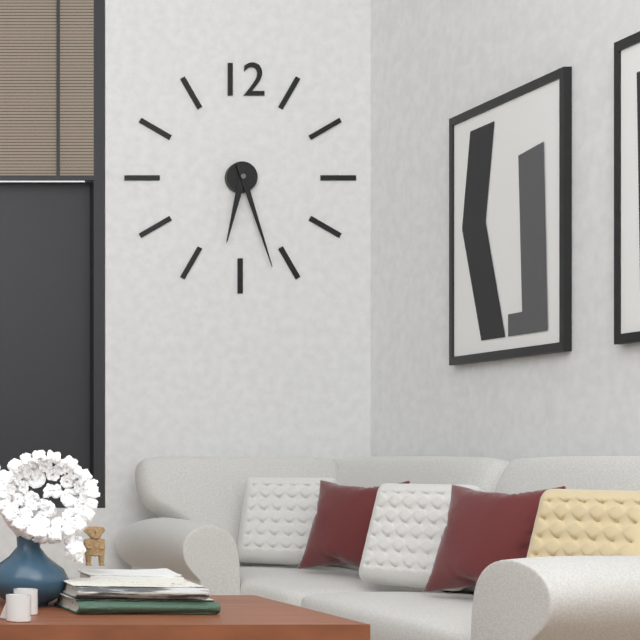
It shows 6h27
